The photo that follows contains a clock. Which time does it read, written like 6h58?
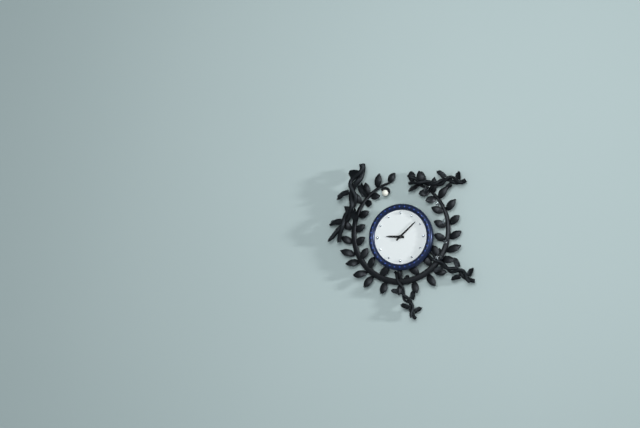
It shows 9h08
